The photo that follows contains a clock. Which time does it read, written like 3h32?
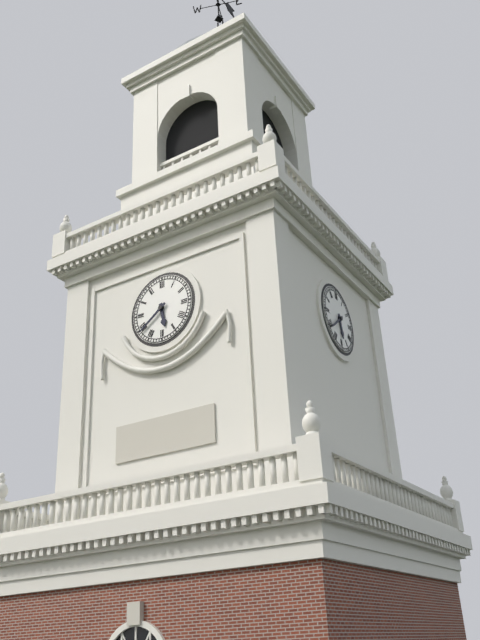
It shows 5h39
